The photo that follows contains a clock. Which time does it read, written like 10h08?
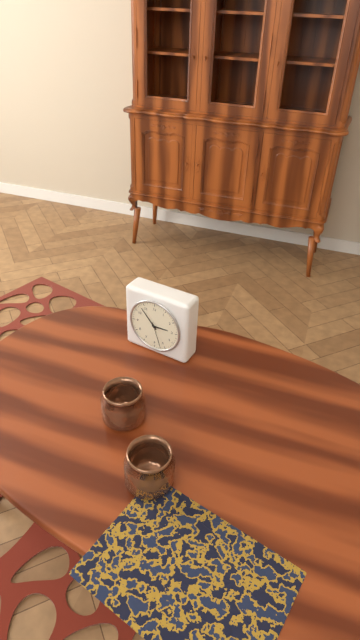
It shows 2h53
